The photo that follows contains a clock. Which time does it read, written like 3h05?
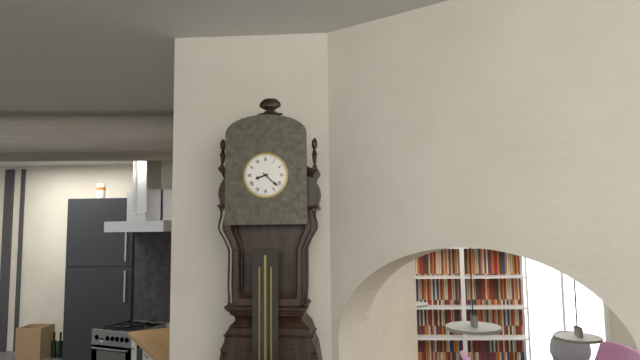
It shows 8h22
